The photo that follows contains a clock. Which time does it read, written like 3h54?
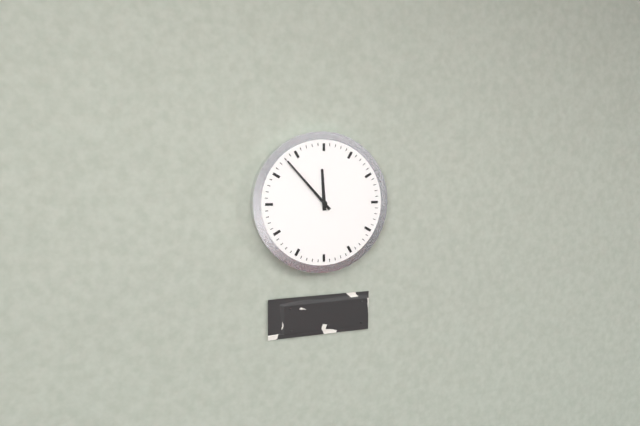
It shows 11h53
